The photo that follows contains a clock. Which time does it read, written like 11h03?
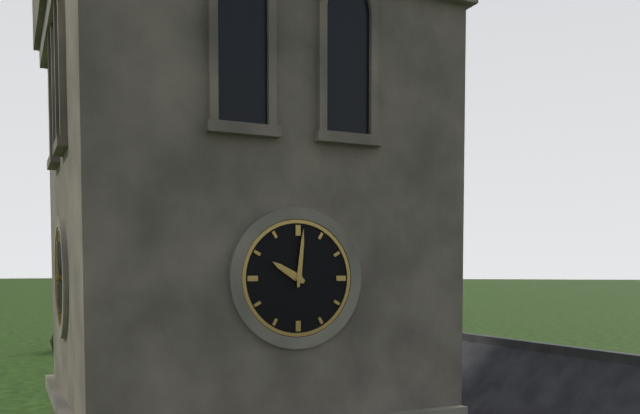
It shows 10h01
